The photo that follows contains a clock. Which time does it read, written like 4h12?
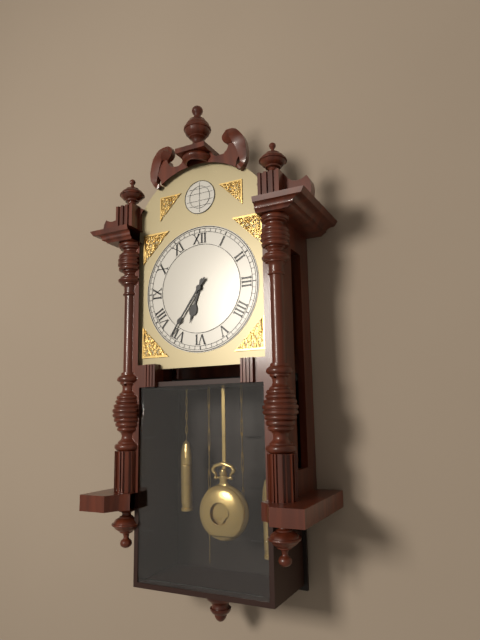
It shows 6h36
